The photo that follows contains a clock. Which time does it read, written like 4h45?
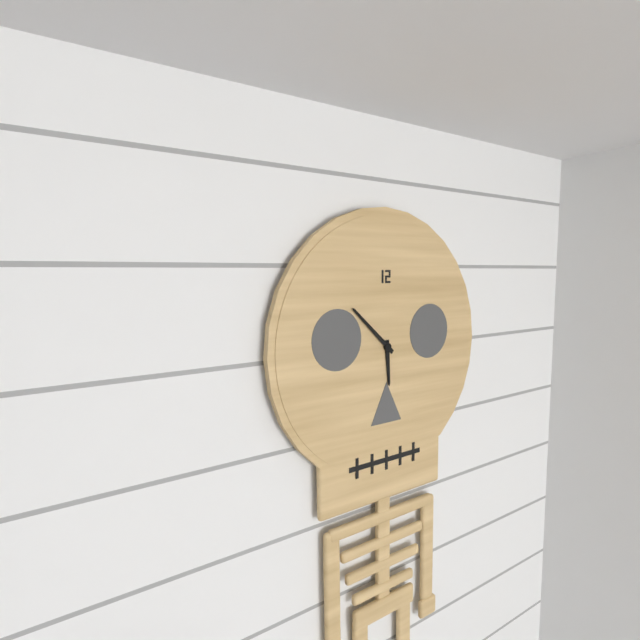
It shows 5h52
